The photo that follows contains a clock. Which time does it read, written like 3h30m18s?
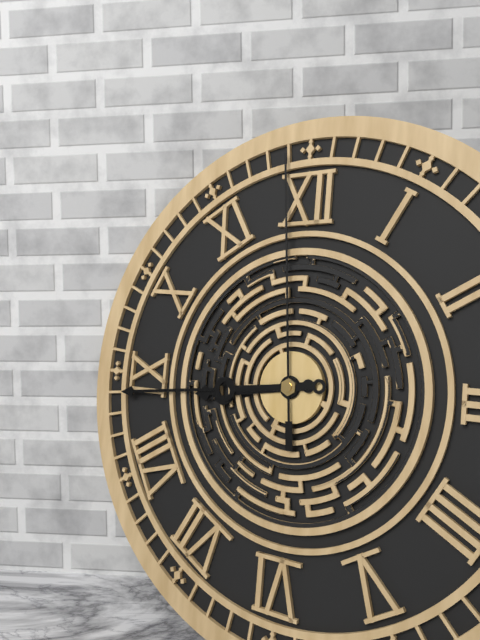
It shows 8h44m59s
